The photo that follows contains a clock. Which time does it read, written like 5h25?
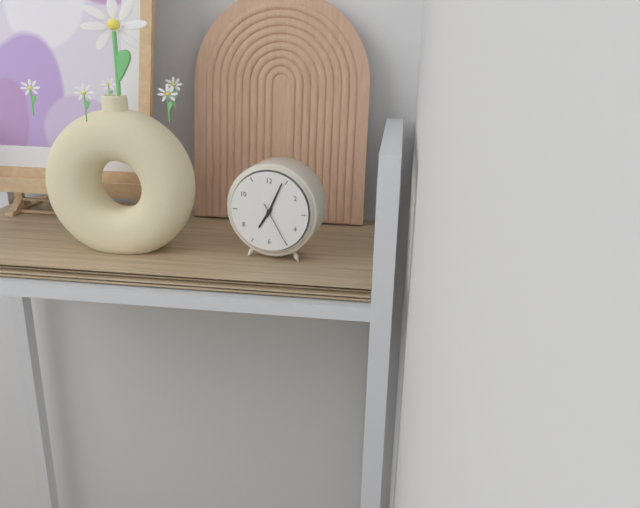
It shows 7h04
